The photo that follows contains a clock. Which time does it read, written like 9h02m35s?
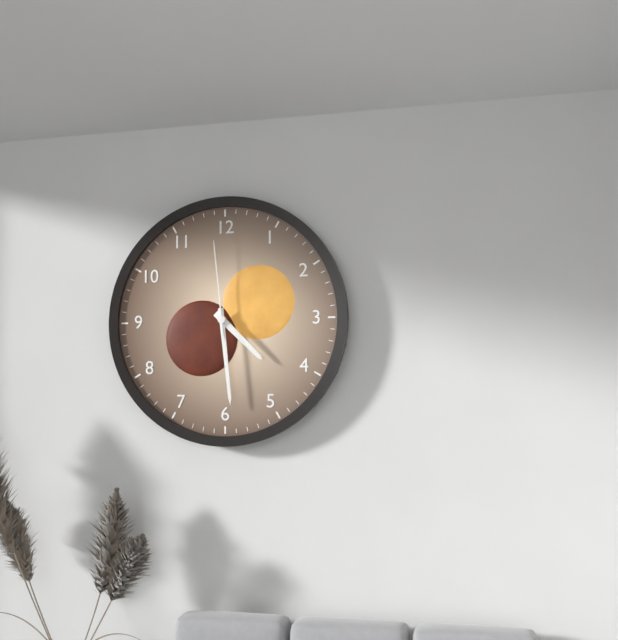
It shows 4h29m59s
